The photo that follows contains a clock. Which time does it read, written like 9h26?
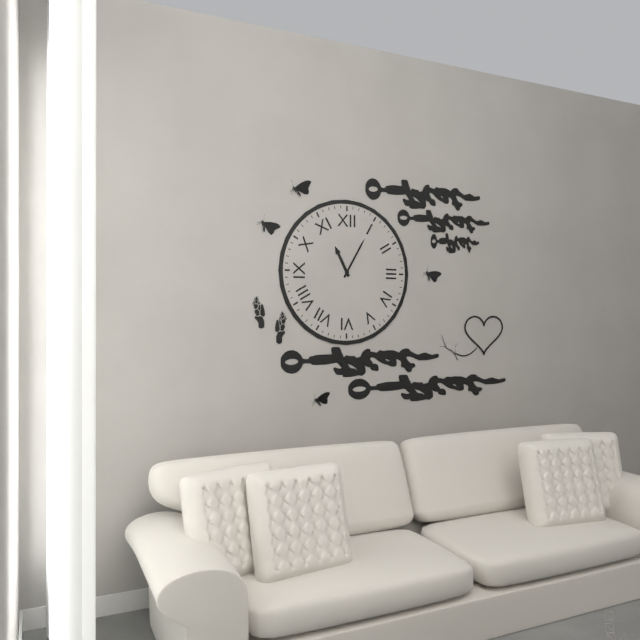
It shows 11h05
